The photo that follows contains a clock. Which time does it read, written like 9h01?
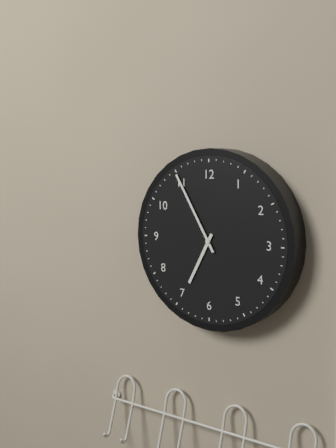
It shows 6h55
